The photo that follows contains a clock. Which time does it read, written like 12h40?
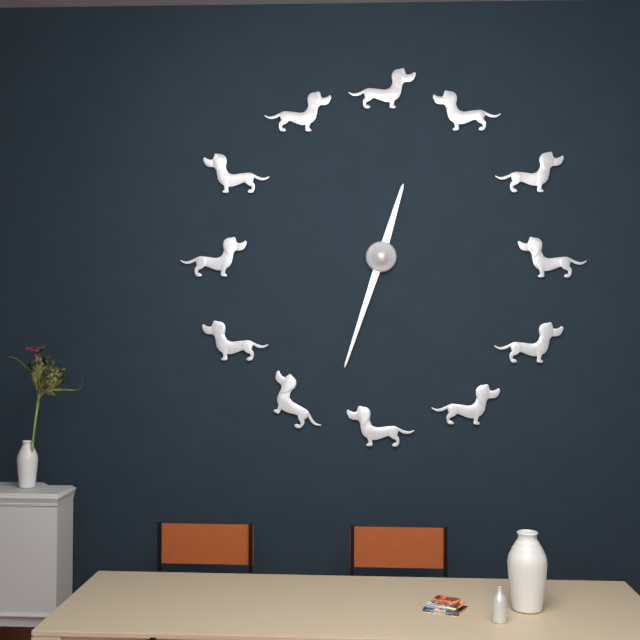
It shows 12h33
